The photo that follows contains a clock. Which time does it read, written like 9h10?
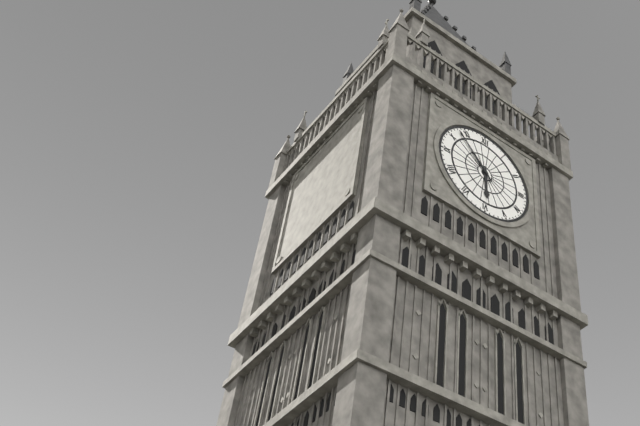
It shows 5h53
